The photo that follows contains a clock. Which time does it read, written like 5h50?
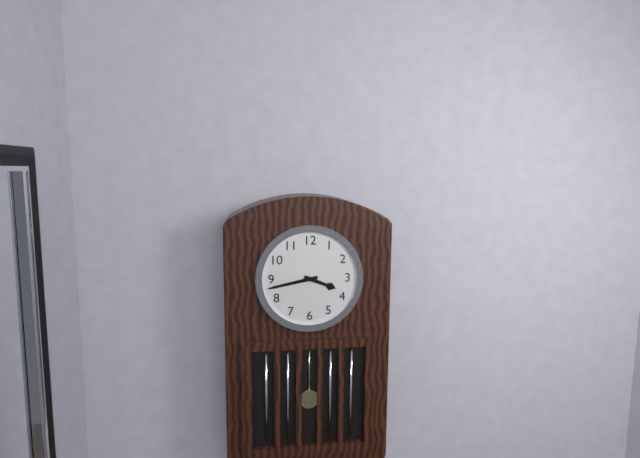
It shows 3h43
